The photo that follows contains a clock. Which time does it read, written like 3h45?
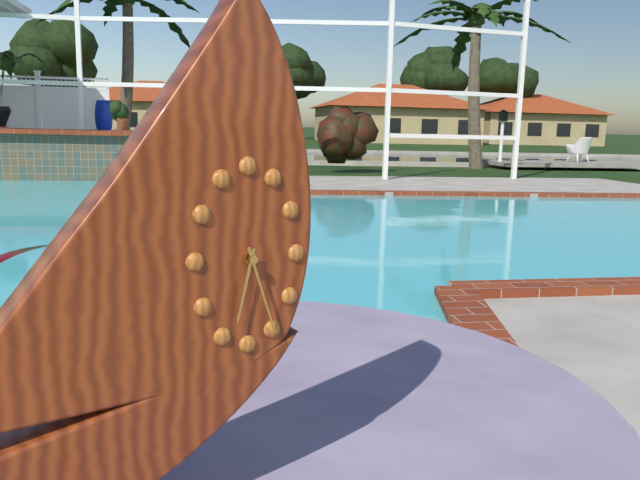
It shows 6h27
